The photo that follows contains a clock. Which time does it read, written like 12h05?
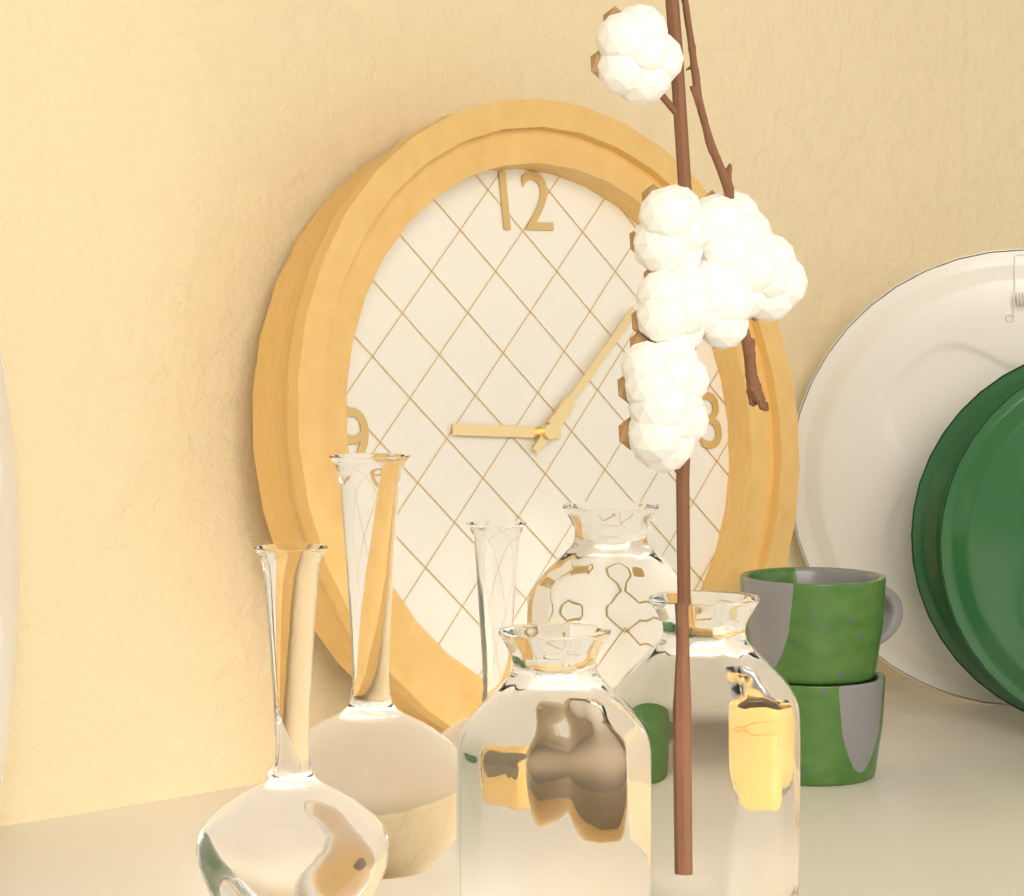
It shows 9h08
